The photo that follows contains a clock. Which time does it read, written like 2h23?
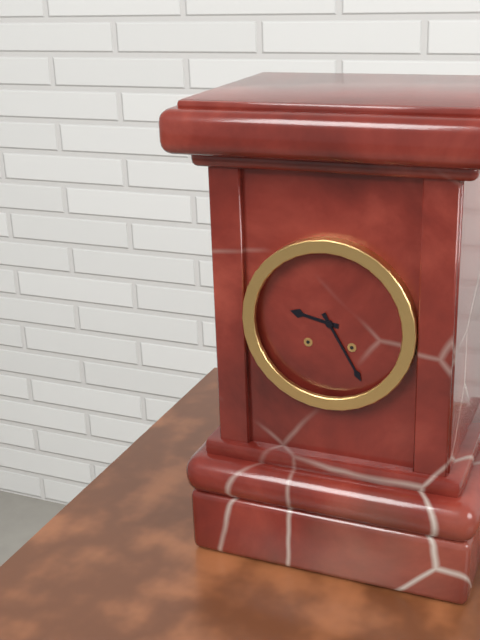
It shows 9h25
